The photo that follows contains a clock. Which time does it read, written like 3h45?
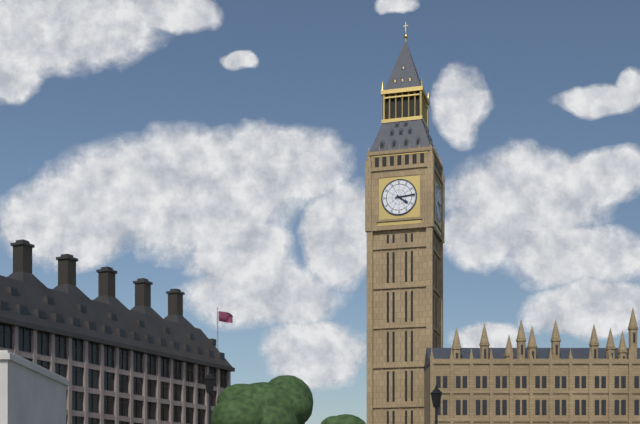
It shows 4h14
